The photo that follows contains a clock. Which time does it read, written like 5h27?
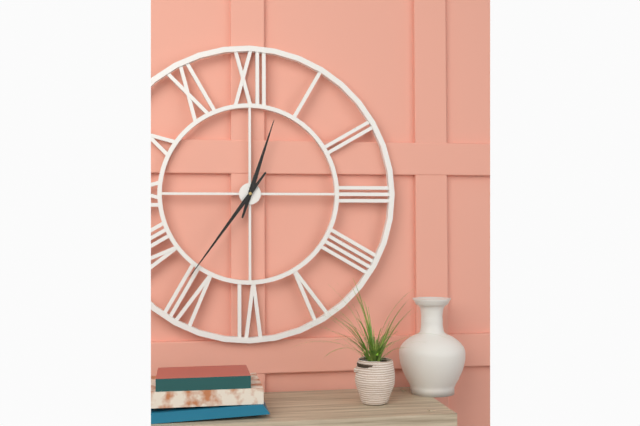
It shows 12h36
